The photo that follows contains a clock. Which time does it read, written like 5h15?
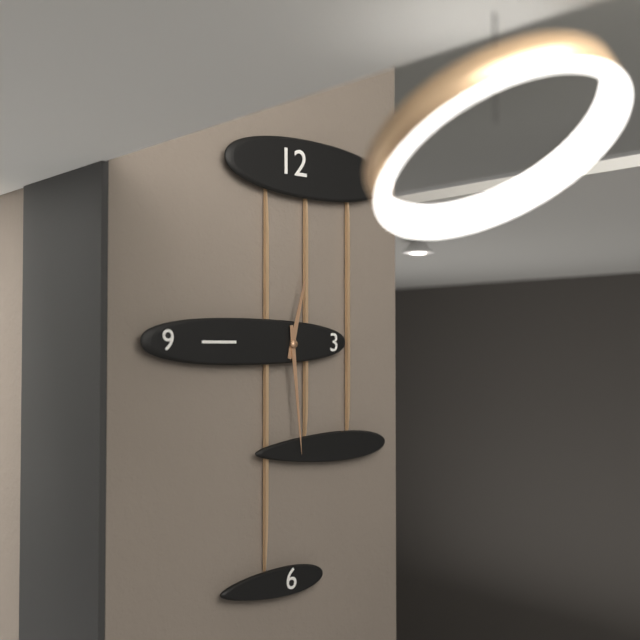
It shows 12h29
